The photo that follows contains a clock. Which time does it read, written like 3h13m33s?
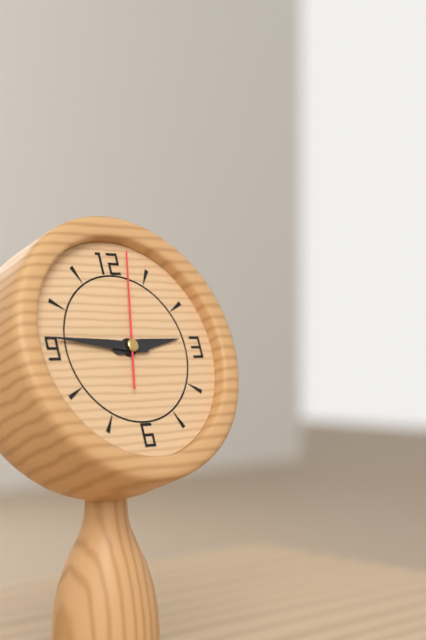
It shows 2h46m02s
